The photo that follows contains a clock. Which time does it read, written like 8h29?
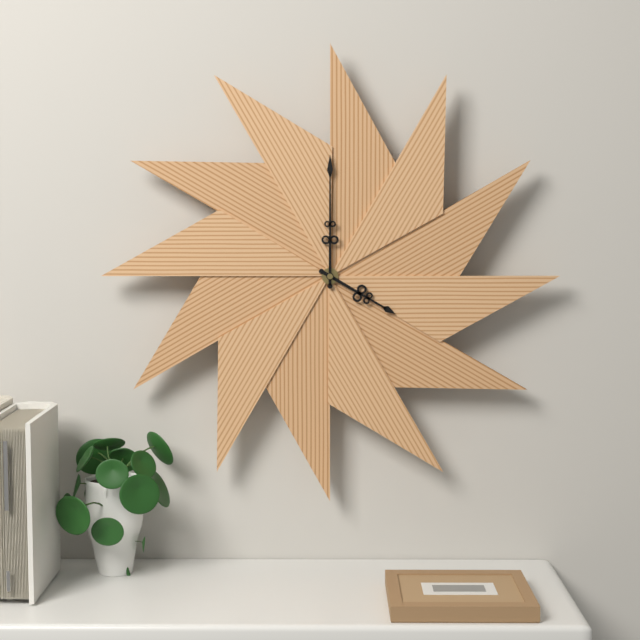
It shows 4h00
